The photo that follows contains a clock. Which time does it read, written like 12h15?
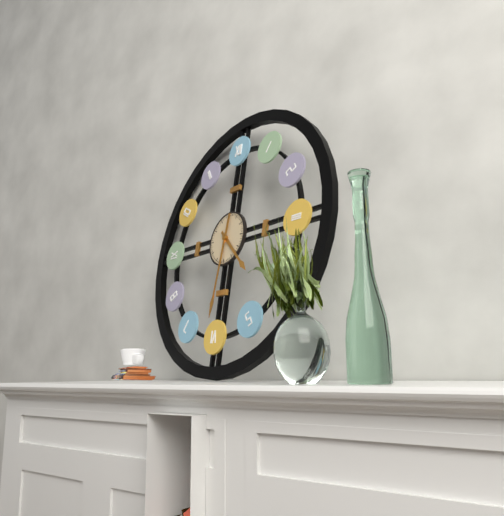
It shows 4h31
